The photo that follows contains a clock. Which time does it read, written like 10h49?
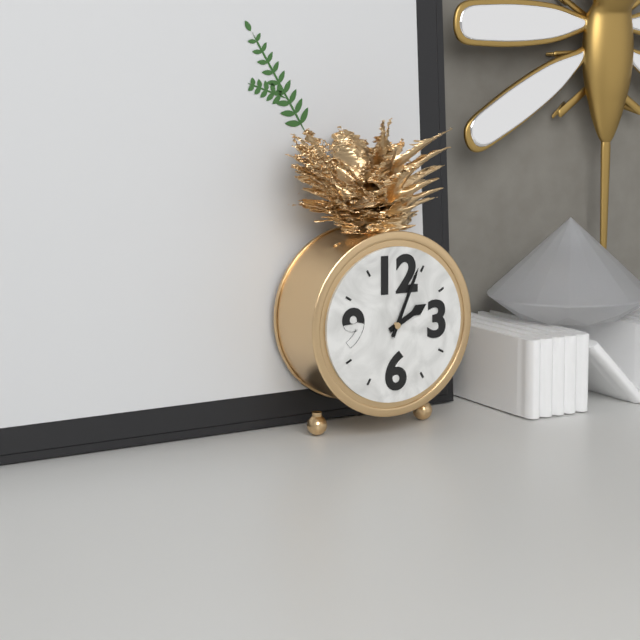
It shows 2h04
